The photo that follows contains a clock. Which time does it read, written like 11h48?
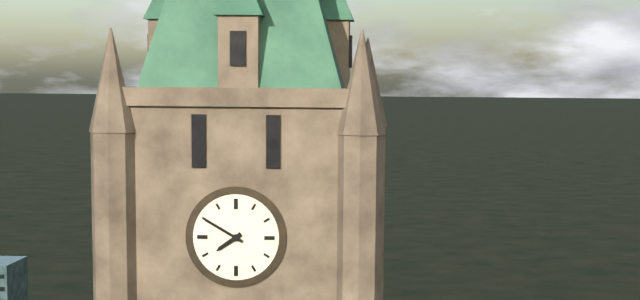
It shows 7h50
